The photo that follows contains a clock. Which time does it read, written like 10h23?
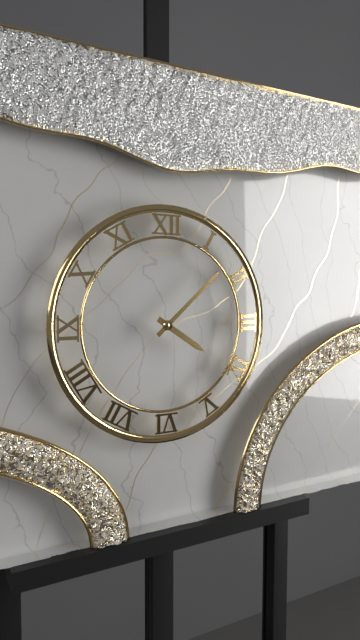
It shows 4h08
